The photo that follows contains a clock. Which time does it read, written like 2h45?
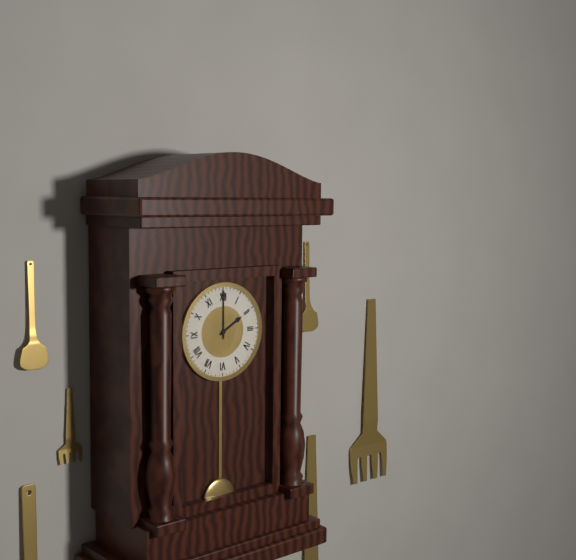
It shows 2h00
